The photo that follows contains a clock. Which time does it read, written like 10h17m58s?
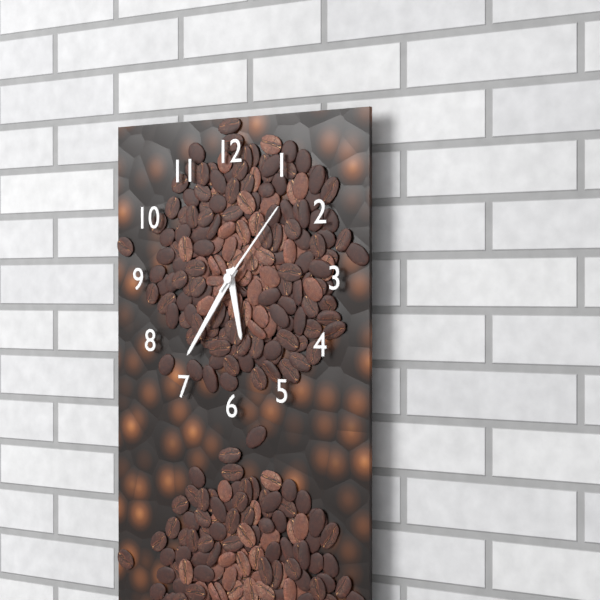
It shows 5h36m07s
